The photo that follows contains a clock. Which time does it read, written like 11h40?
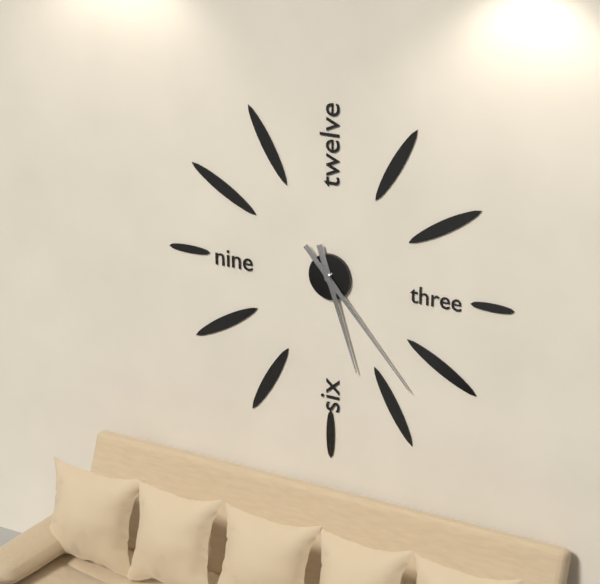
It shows 5h23
